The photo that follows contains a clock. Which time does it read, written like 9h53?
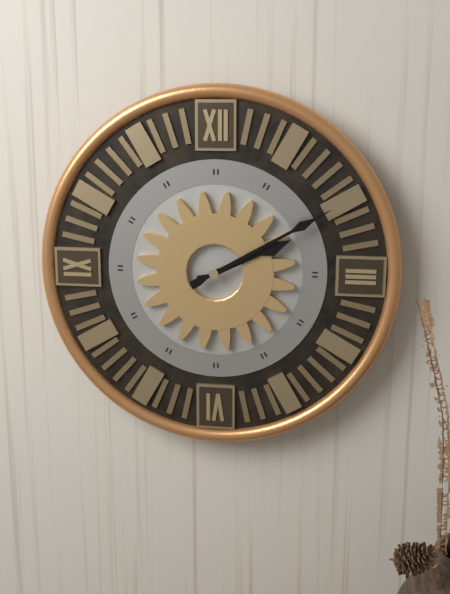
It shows 2h10
